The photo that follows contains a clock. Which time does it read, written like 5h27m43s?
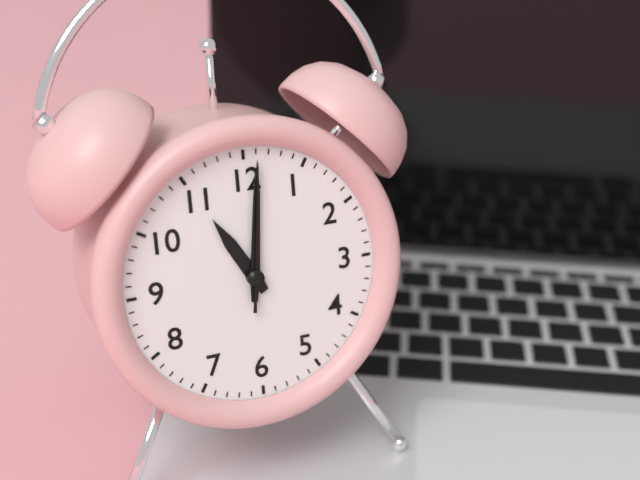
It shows 11h01m01s
